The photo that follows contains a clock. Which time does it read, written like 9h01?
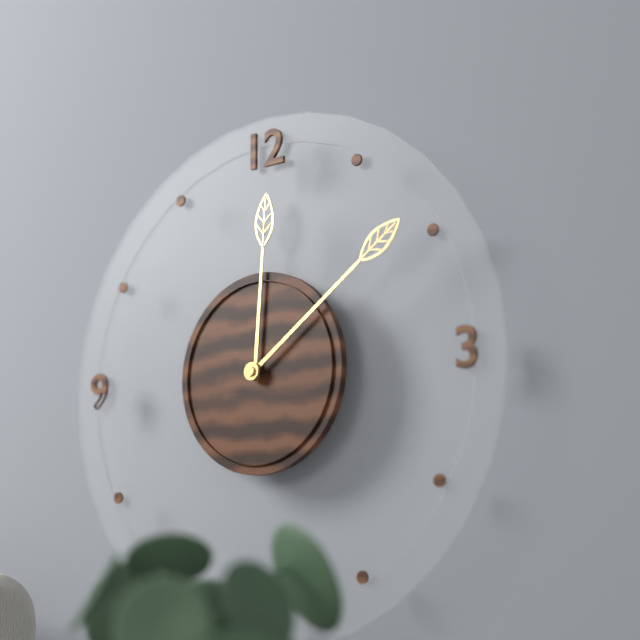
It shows 12h09
